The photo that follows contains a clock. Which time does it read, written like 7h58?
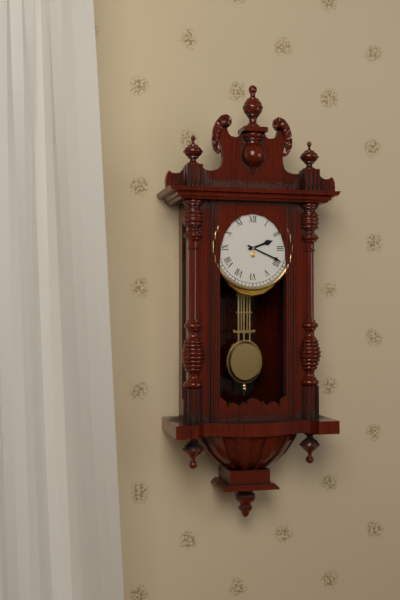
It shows 2h19
